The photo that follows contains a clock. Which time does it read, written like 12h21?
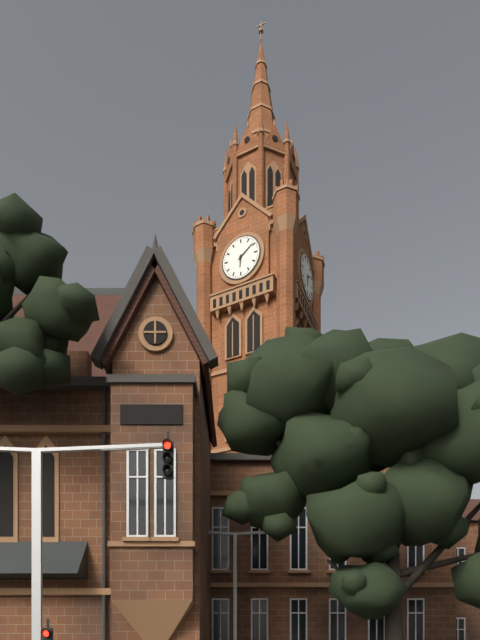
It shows 6h09
